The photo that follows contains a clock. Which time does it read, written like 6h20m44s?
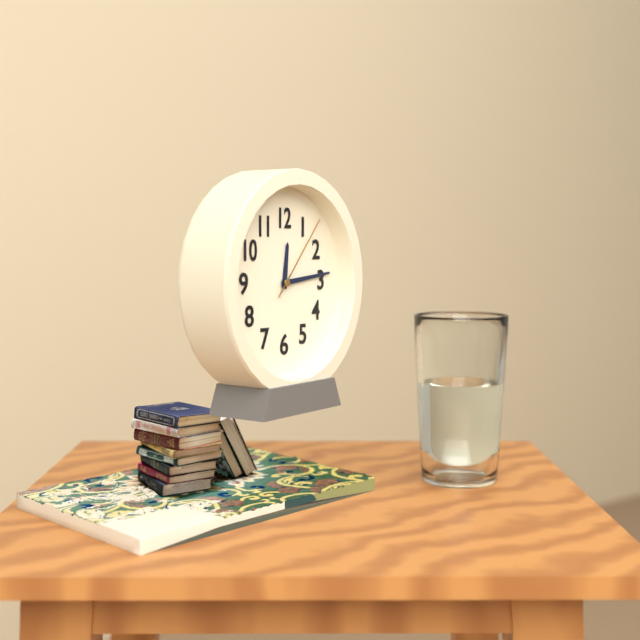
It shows 12h14m07s
